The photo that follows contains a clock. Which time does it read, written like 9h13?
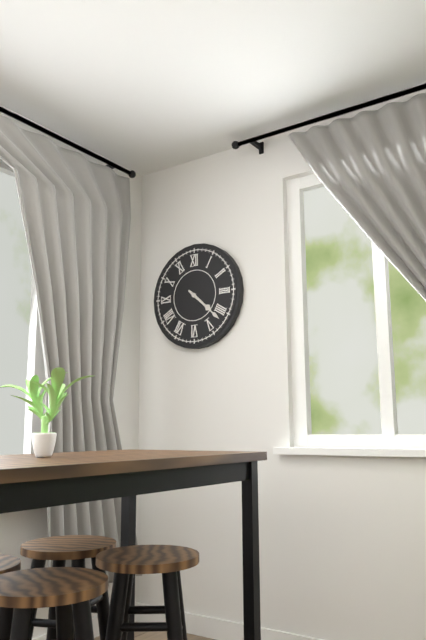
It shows 4h22
